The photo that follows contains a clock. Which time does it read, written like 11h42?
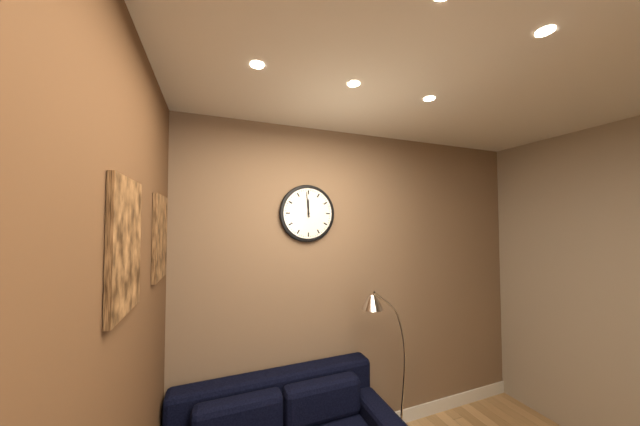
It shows 11h59
